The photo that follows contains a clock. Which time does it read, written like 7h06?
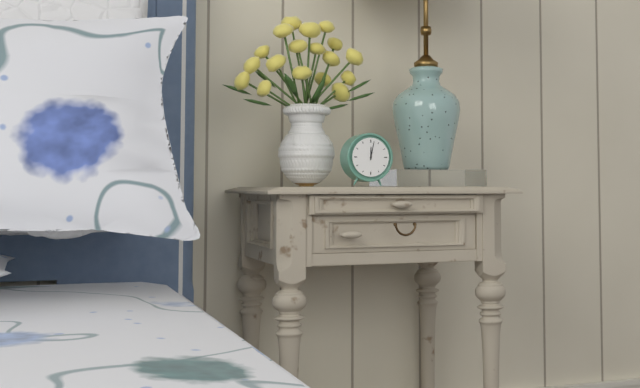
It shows 12h02
